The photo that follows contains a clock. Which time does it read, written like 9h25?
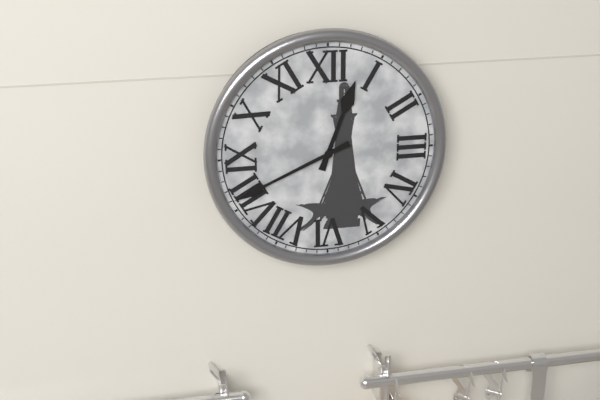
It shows 12h41
